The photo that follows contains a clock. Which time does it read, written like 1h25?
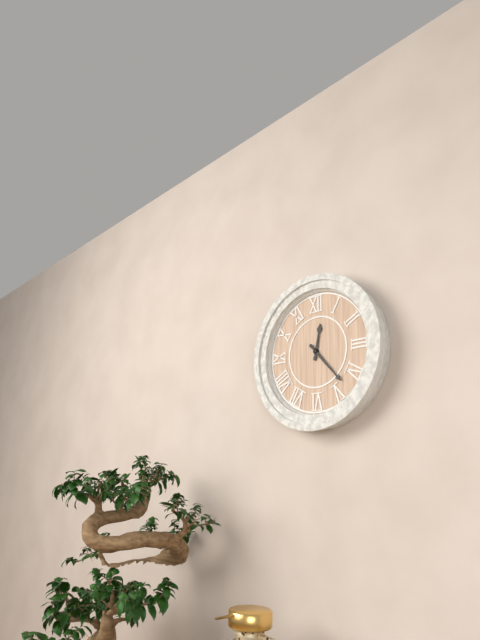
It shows 12h23
